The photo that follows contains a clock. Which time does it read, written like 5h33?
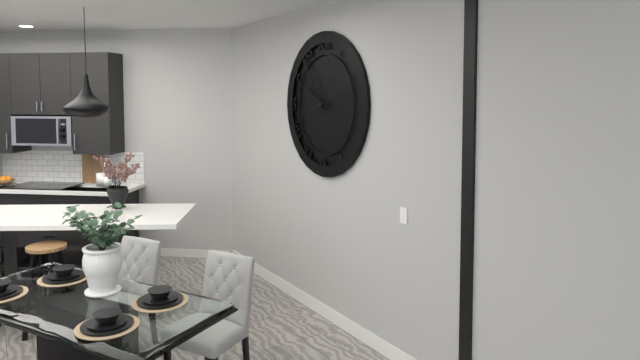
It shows 9h54
